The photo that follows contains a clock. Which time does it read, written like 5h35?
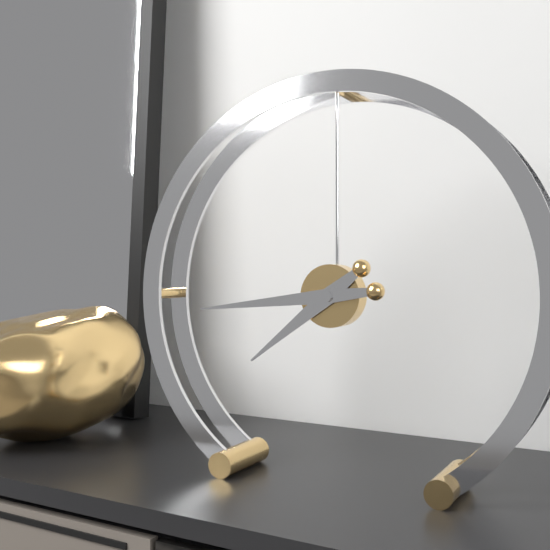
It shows 7h44
